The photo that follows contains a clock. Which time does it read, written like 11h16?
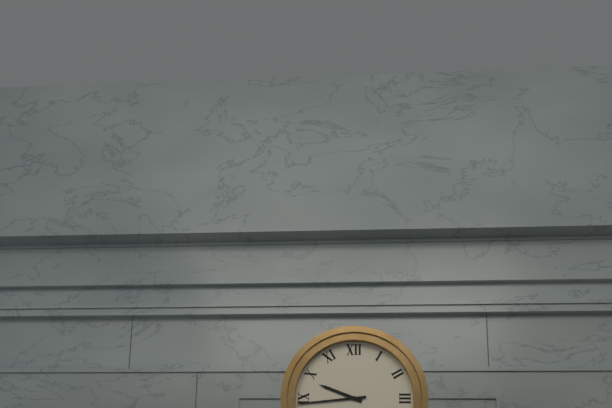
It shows 9h44
